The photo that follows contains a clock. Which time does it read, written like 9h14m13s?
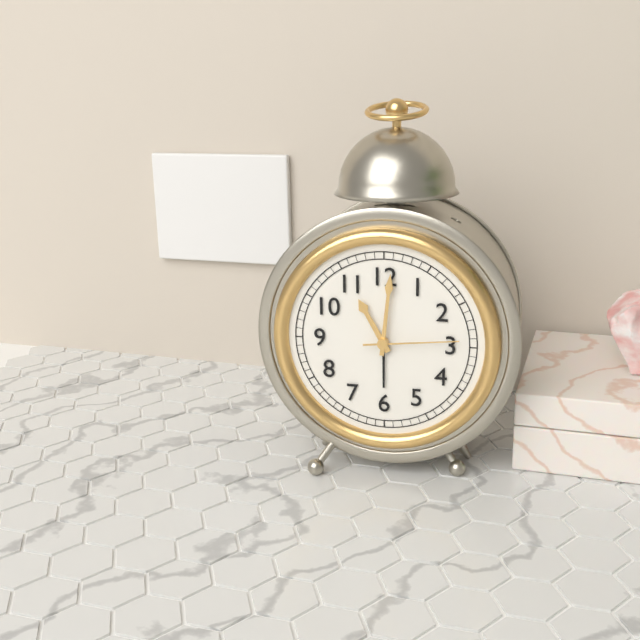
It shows 11h01m14s
